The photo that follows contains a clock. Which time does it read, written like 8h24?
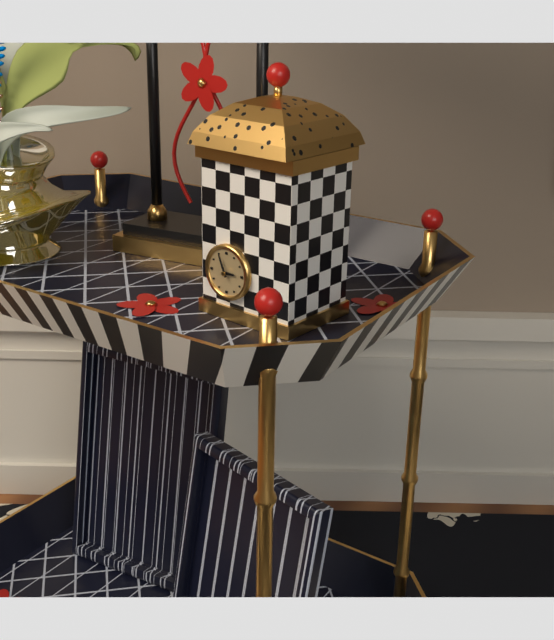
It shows 2h56
